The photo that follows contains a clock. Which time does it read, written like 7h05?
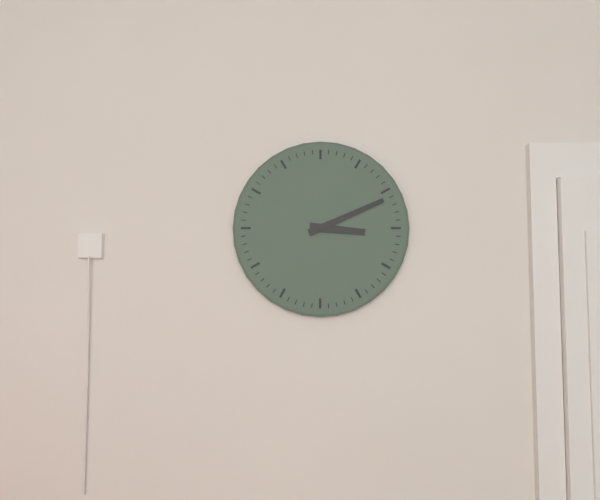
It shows 3h11
